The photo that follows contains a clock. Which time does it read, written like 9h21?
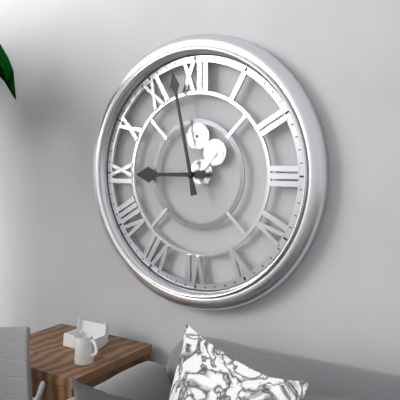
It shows 8h58
